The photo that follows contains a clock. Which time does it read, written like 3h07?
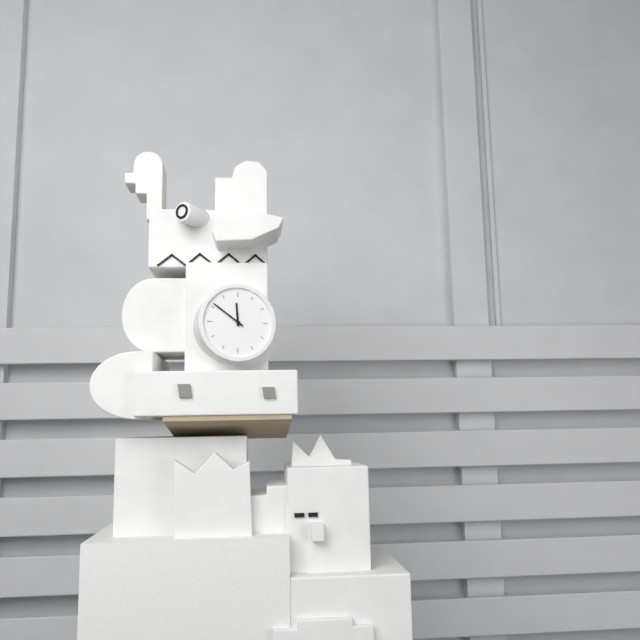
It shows 11h51
